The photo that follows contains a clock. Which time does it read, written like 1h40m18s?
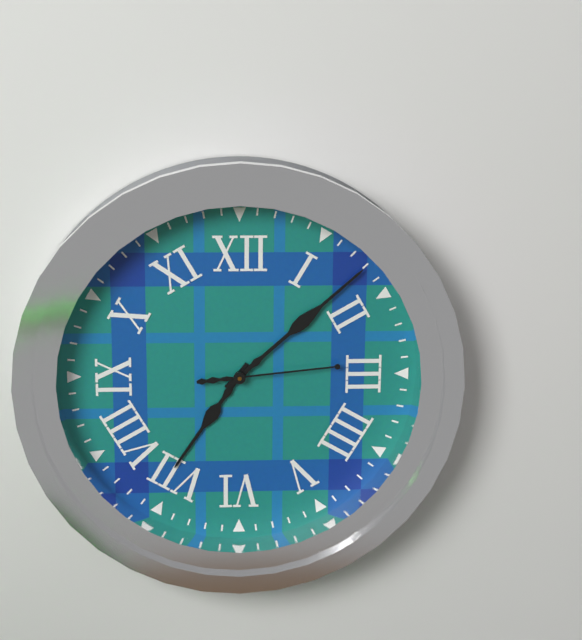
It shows 7h08m14s
